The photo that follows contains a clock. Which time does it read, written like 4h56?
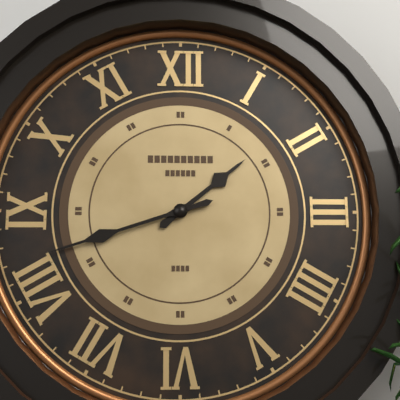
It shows 1h42
